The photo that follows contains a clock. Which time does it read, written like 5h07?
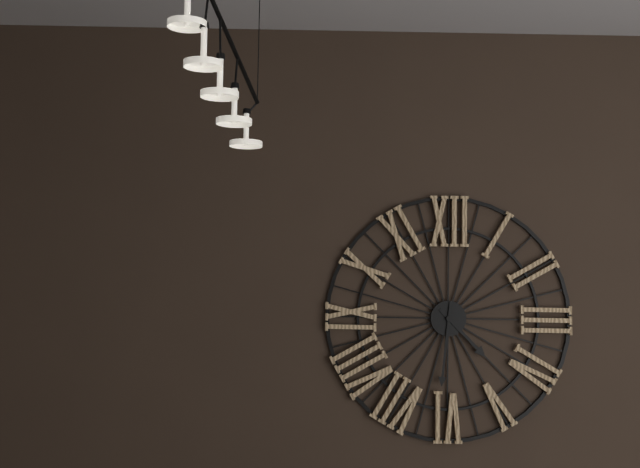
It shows 4h31
